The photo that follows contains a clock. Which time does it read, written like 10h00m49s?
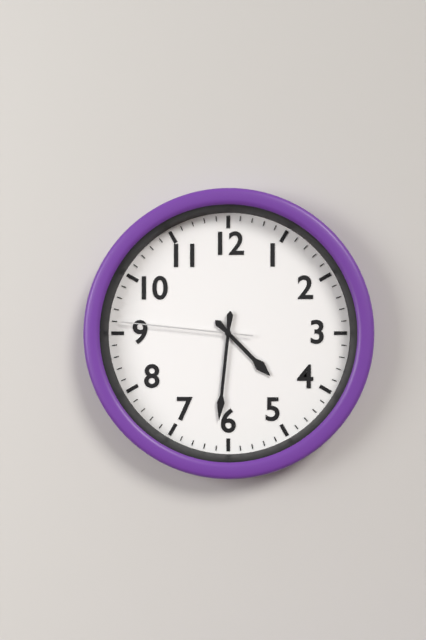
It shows 4h31m46s
